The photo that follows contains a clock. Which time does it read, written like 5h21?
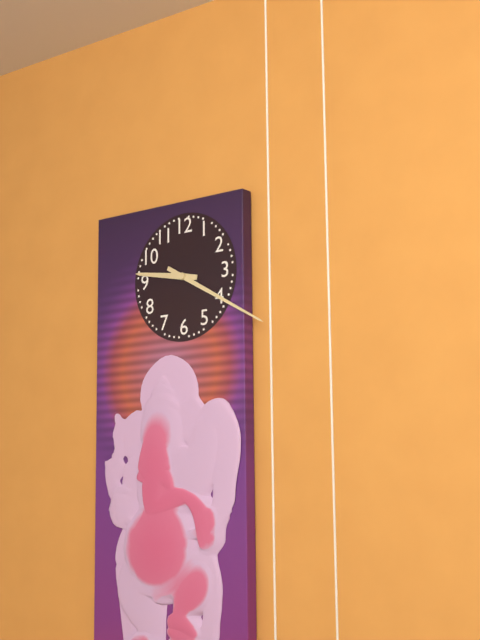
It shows 9h20
